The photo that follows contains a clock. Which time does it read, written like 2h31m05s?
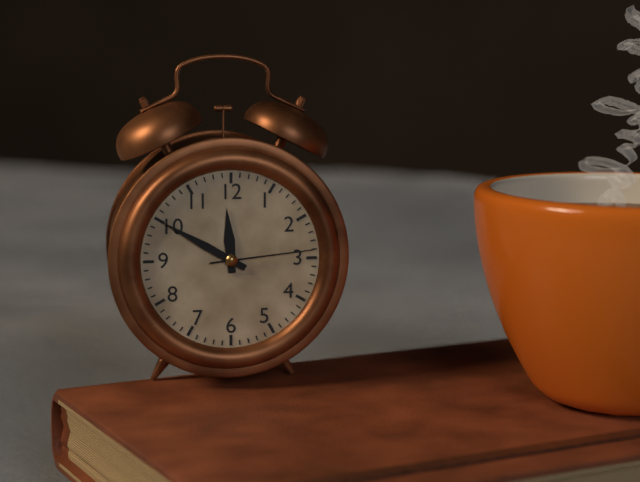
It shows 11h50m14s
